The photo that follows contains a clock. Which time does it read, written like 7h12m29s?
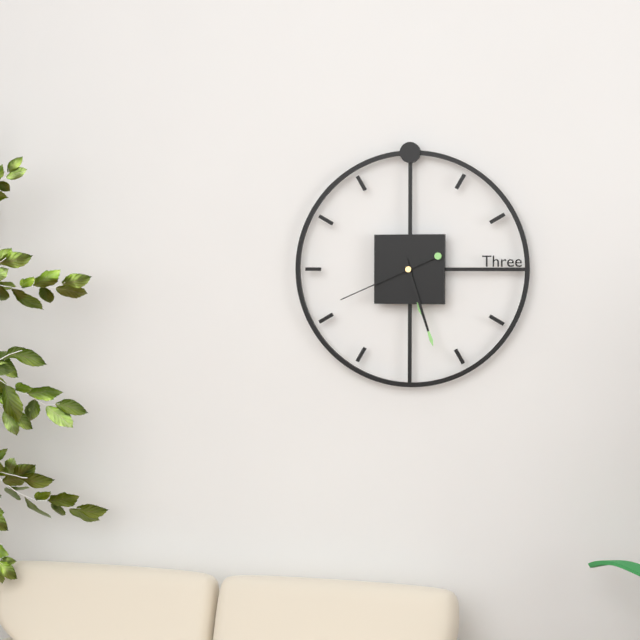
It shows 5h27m41s
